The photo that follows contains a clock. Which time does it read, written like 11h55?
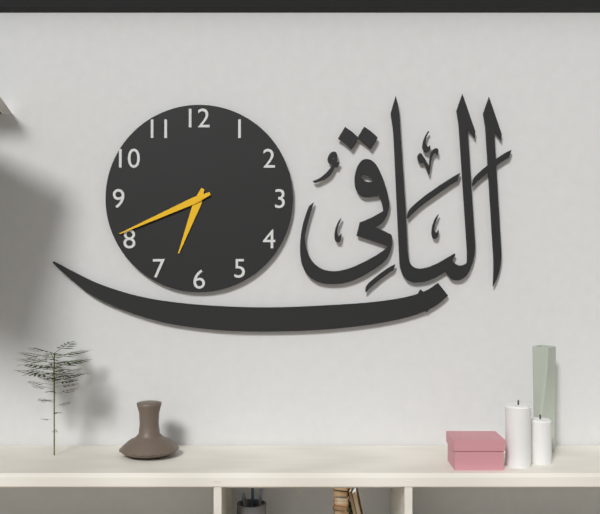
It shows 6h41
